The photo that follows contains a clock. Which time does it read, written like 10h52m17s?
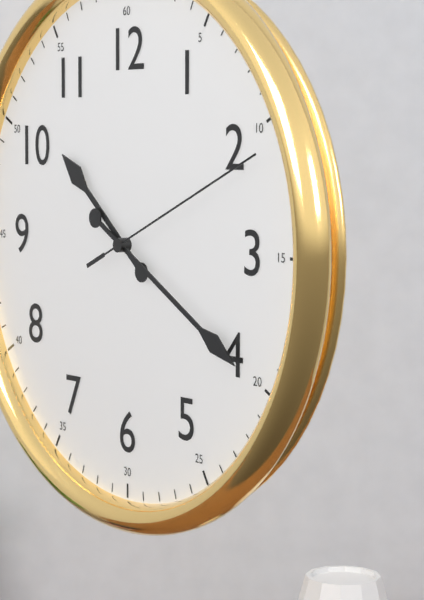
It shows 10h20m11s
